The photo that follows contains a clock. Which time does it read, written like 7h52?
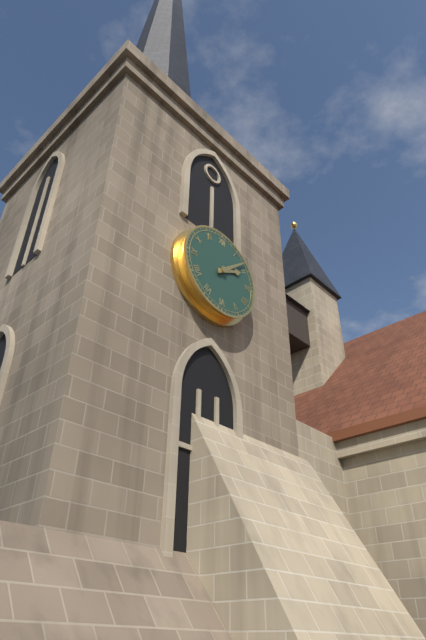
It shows 2h08
